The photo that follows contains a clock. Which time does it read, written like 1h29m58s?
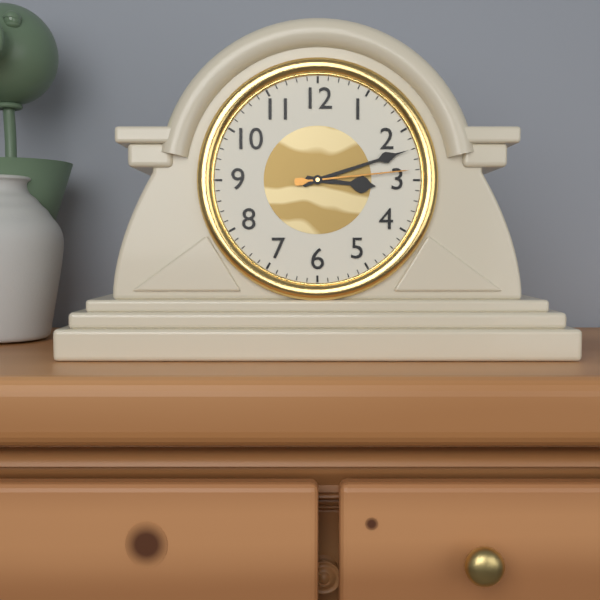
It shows 3h12m14s
